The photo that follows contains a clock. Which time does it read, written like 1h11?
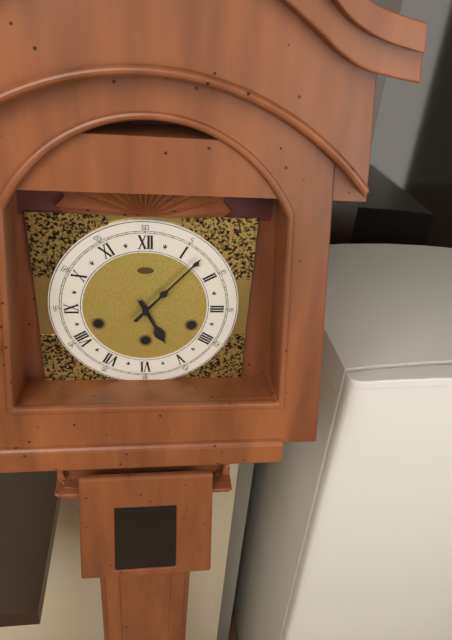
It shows 5h07
